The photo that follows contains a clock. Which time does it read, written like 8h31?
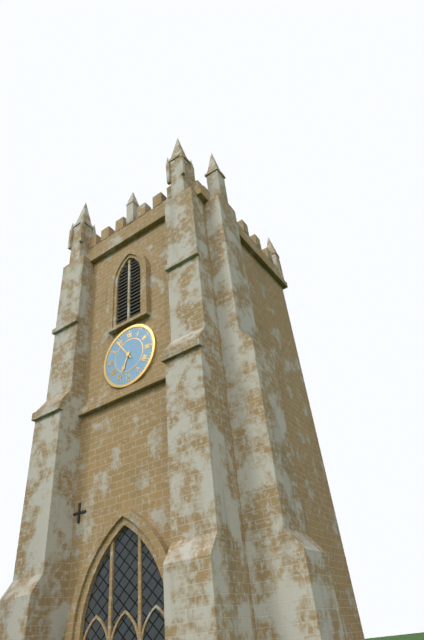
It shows 6h54
